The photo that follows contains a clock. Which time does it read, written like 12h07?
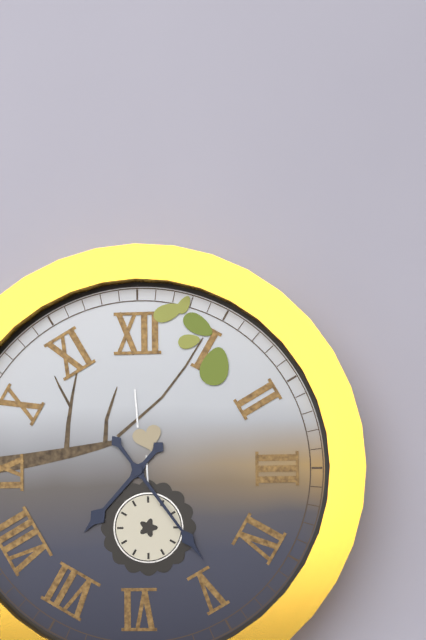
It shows 7h24
